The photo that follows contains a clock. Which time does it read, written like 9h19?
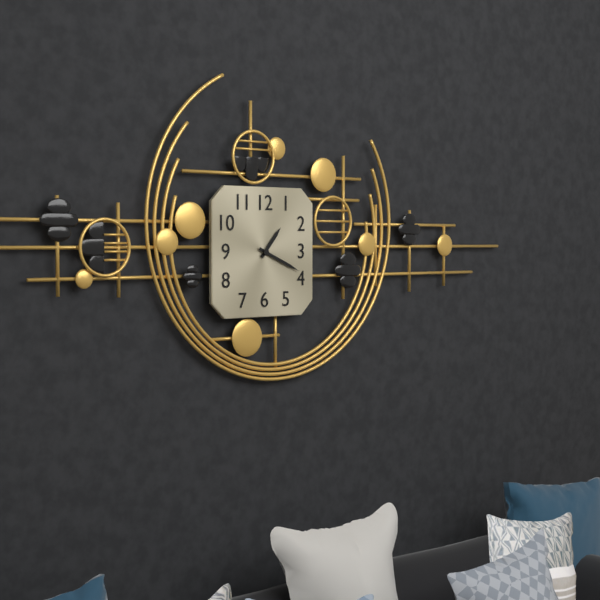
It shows 1h19
